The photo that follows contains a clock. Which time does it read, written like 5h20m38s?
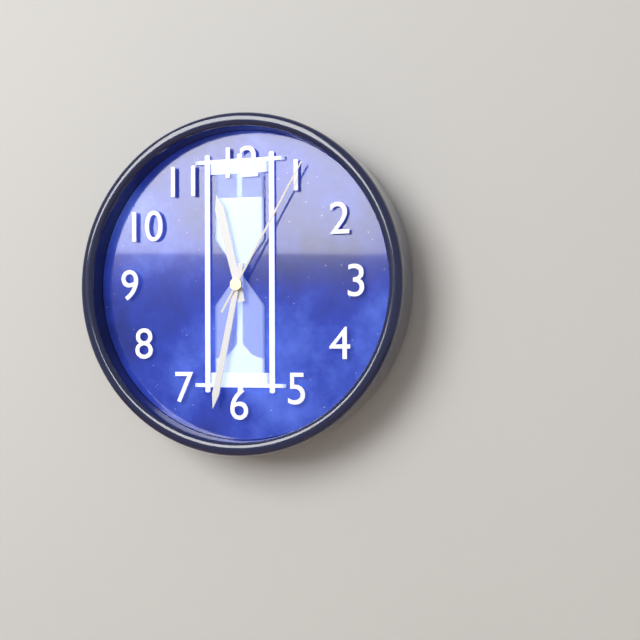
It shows 11h32m05s
